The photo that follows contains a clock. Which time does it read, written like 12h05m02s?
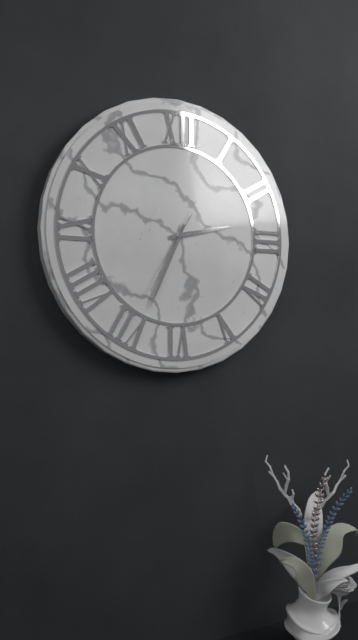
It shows 2h34m35s
